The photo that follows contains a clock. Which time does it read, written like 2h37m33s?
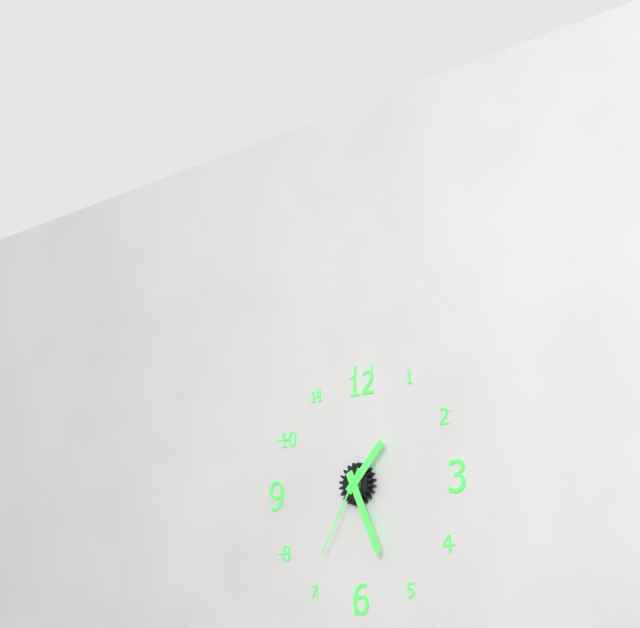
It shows 1h26m35s
